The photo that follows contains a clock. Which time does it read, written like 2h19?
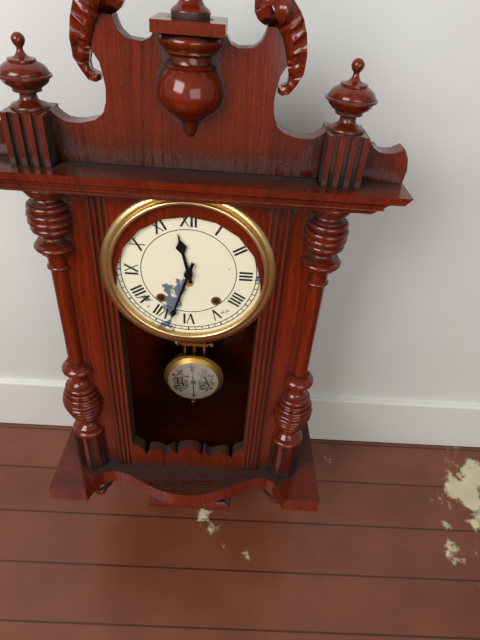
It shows 11h33
